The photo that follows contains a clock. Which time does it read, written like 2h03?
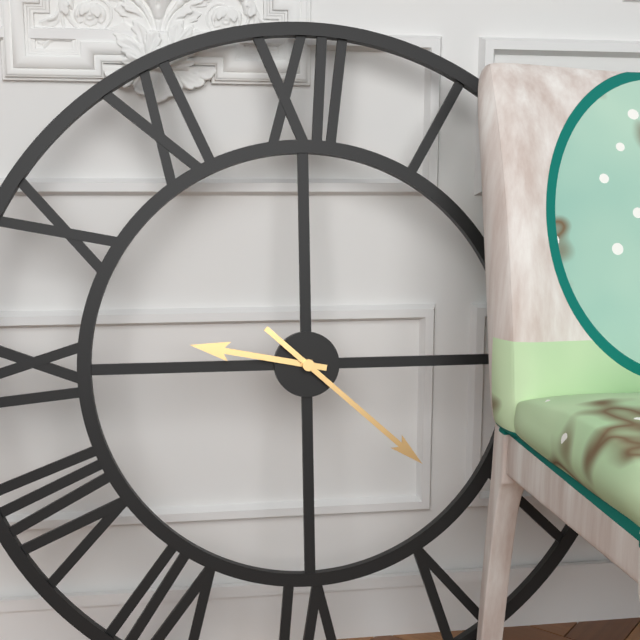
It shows 9h22
